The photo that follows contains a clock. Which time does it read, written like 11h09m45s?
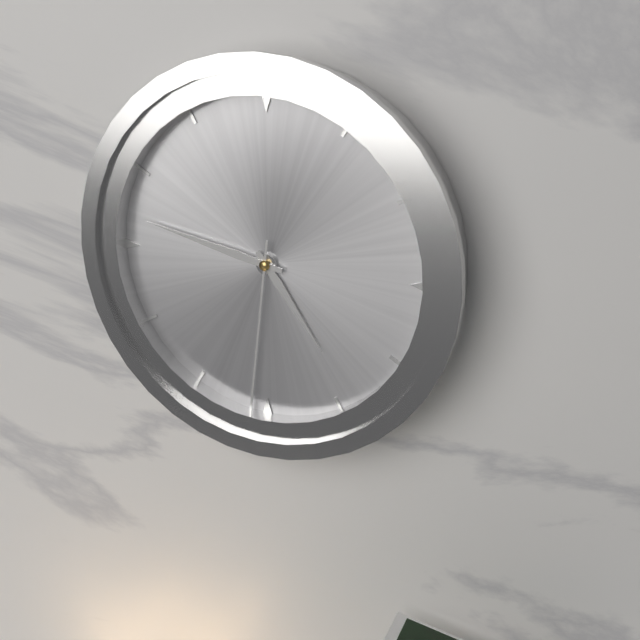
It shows 4h47m31s
